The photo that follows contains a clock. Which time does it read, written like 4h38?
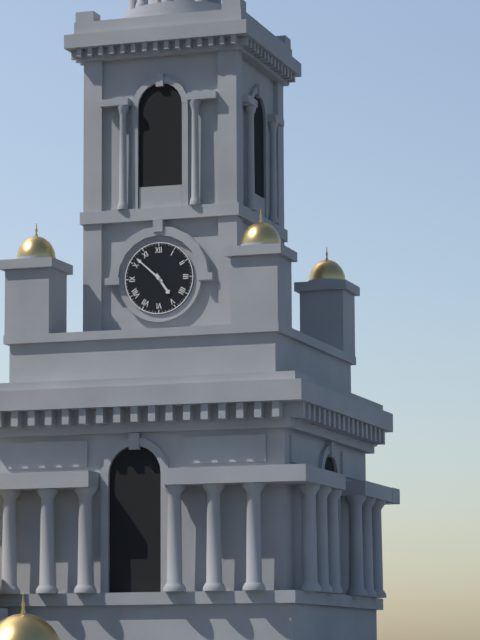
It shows 4h52
